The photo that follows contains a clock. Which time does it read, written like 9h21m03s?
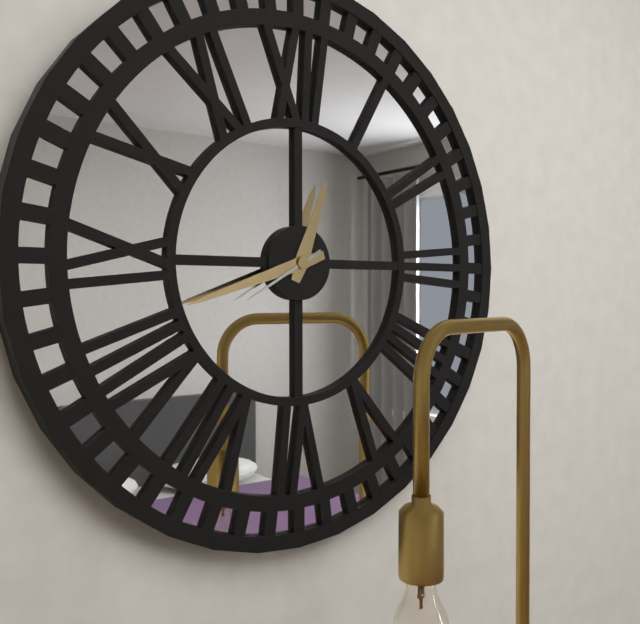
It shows 12h42m40s
